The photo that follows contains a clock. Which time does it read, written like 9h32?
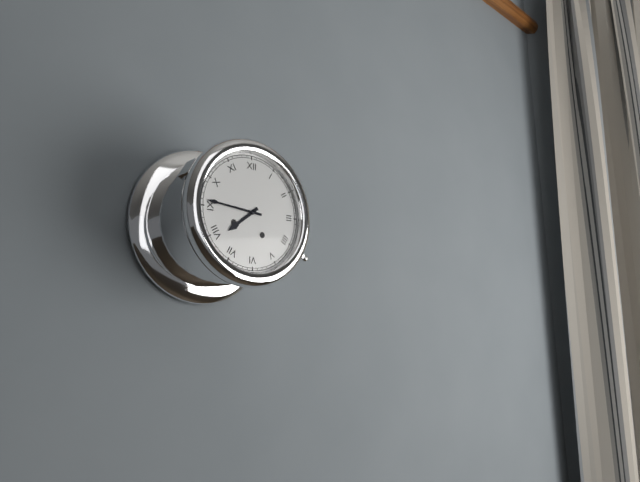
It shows 7h46
